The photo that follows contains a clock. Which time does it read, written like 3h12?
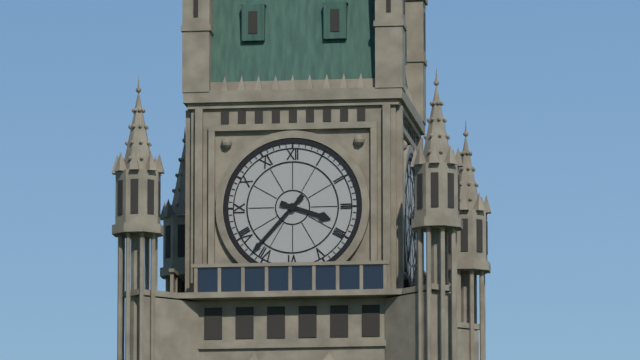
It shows 3h37
